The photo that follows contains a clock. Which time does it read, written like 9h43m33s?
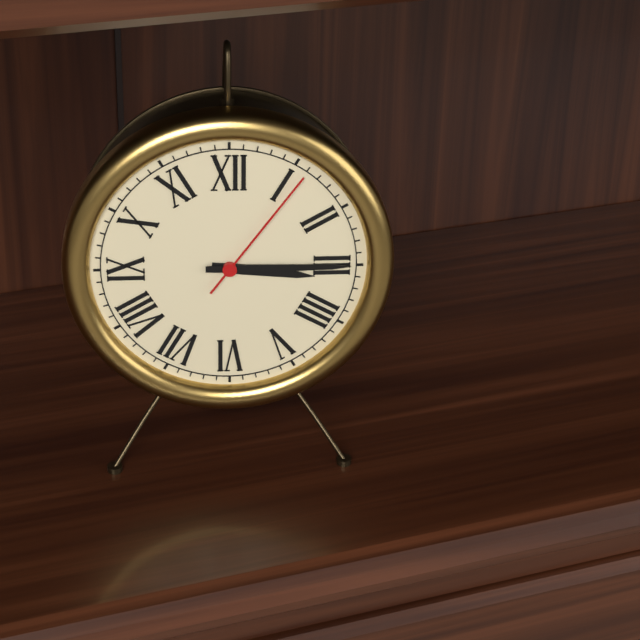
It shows 3h15m06s
